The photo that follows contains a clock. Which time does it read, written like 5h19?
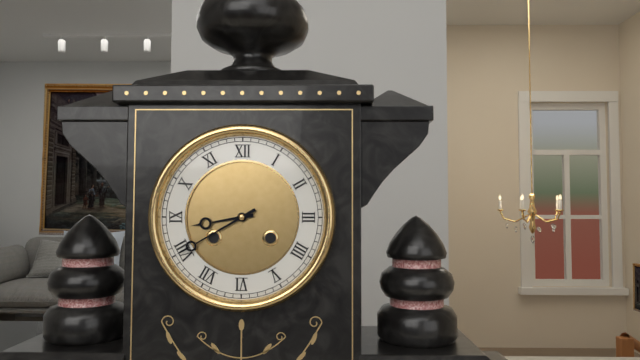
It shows 8h40
